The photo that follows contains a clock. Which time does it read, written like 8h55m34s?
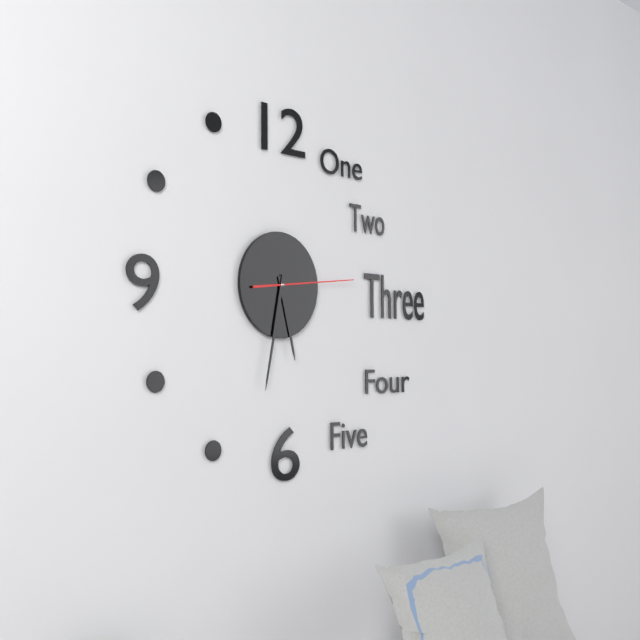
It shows 5h32m14s
